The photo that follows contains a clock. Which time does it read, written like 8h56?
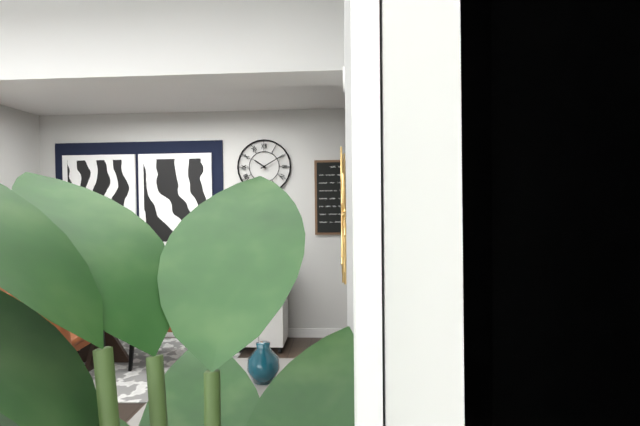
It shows 10h10
